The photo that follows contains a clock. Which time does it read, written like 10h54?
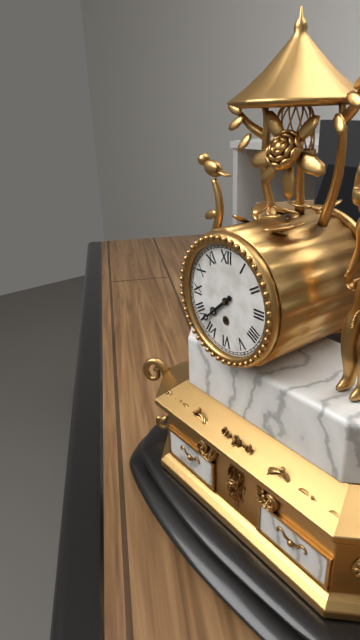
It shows 7h38
